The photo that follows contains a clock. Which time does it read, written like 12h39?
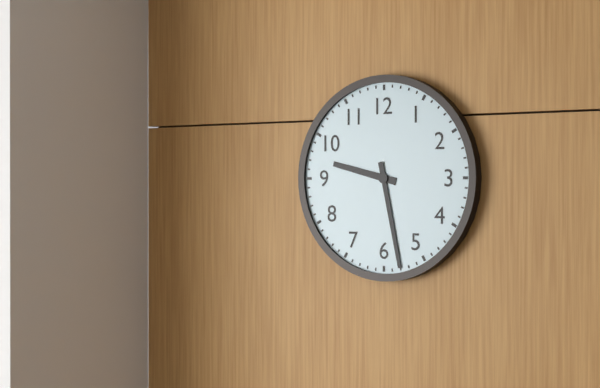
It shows 9h28
